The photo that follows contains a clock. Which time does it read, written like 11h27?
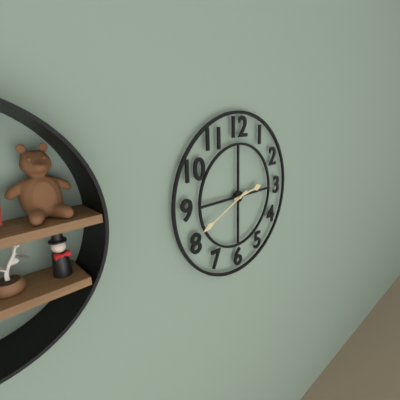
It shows 2h41
